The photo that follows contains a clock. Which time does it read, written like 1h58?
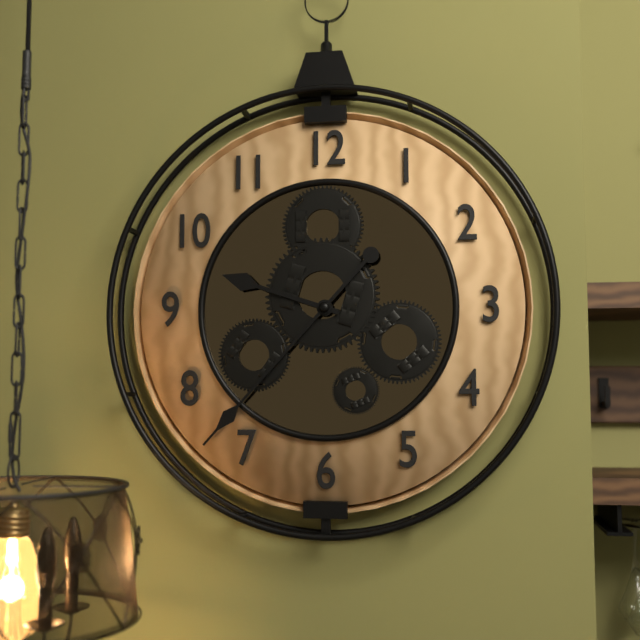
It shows 9h37
